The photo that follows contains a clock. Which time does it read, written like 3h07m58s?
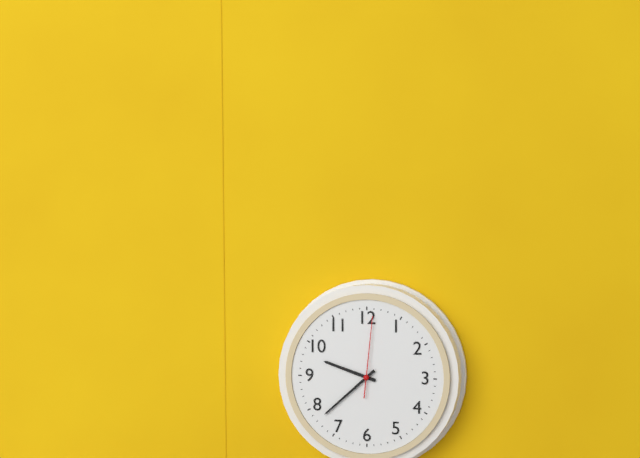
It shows 9h38m01s
